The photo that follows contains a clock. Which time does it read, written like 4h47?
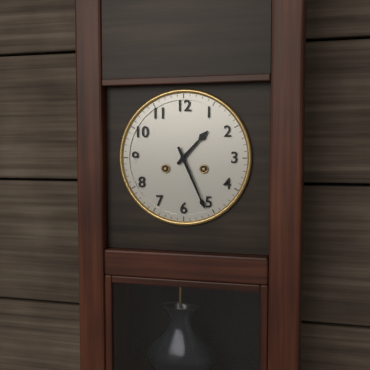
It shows 1h26
